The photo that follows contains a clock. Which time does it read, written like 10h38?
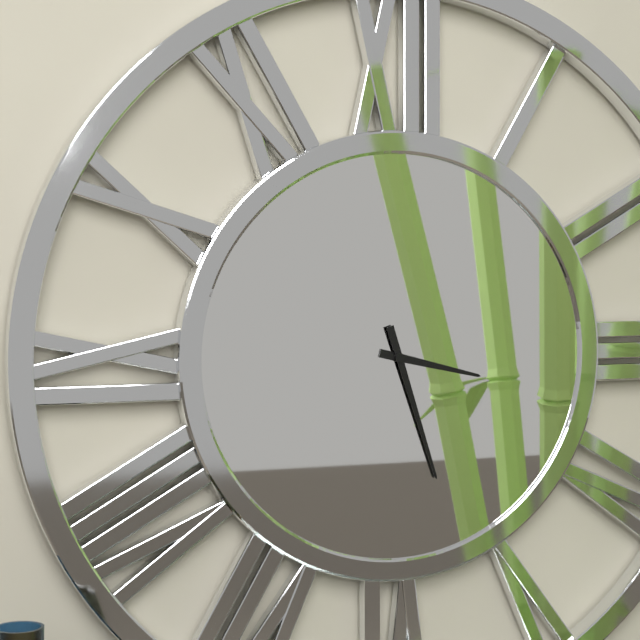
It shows 3h27
